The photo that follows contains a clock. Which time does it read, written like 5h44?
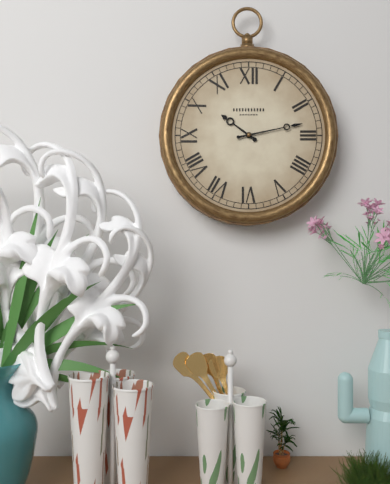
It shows 10h13
